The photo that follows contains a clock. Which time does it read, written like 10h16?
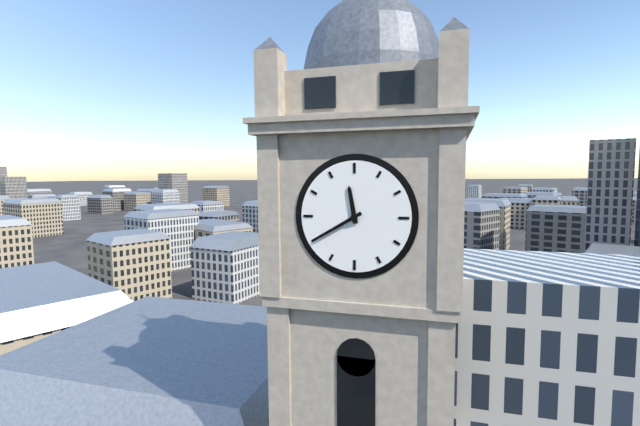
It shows 11h40
